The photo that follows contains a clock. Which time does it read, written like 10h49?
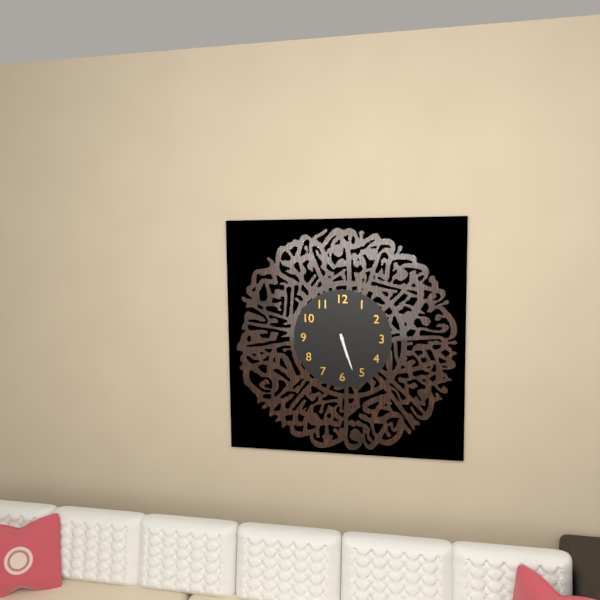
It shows 5h27
